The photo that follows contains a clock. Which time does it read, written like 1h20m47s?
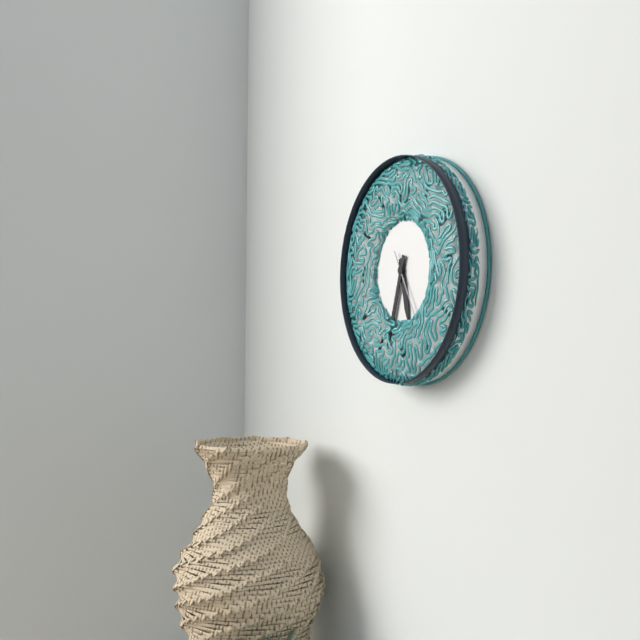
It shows 5h33m25s
